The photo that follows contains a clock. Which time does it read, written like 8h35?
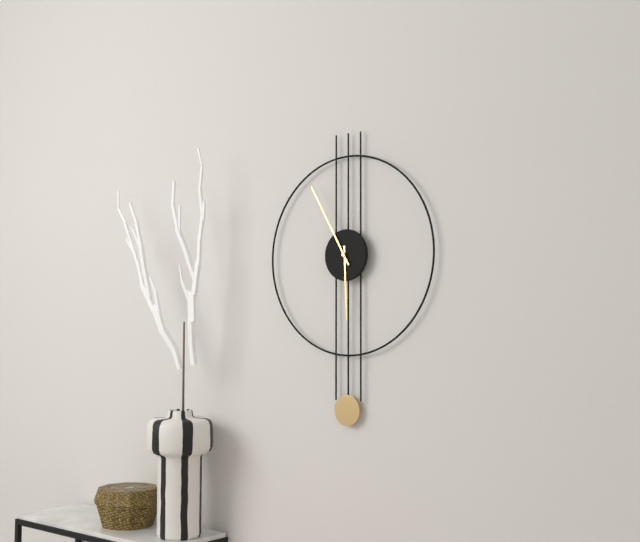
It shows 5h55
